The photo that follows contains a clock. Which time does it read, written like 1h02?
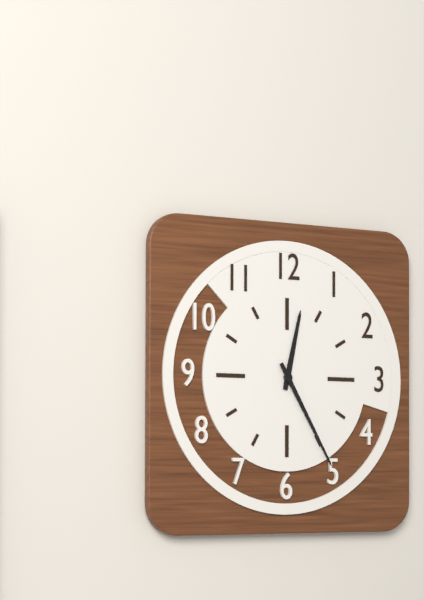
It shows 12h25
